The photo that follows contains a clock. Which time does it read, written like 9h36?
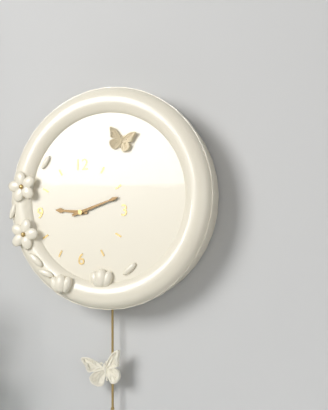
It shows 9h12
